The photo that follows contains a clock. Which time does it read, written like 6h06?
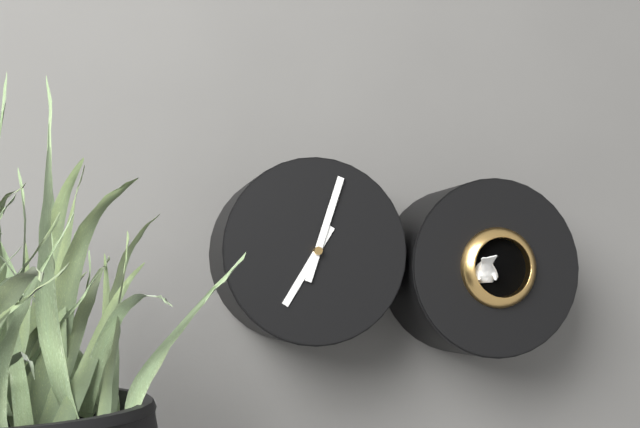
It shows 7h03
